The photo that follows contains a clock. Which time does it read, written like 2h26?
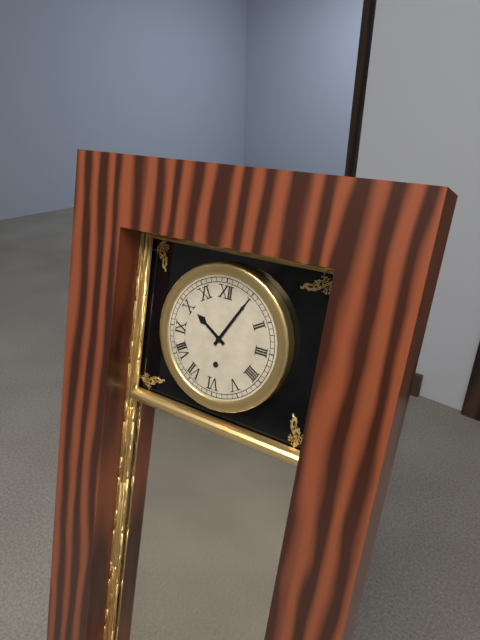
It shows 10h05
